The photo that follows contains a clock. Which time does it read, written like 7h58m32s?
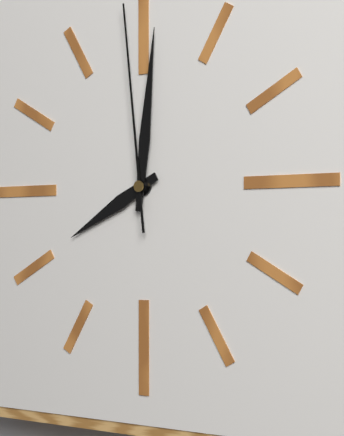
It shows 8h01m59s
